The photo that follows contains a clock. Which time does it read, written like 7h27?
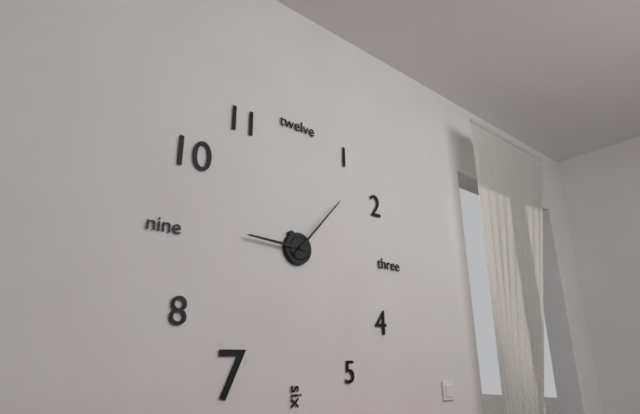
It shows 9h07
